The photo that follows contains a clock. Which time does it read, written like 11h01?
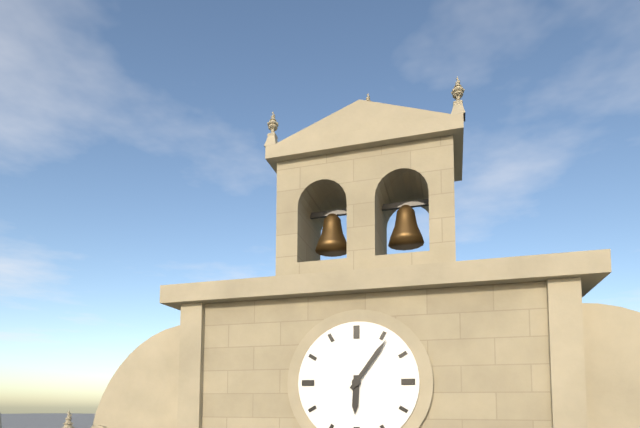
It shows 6h06
